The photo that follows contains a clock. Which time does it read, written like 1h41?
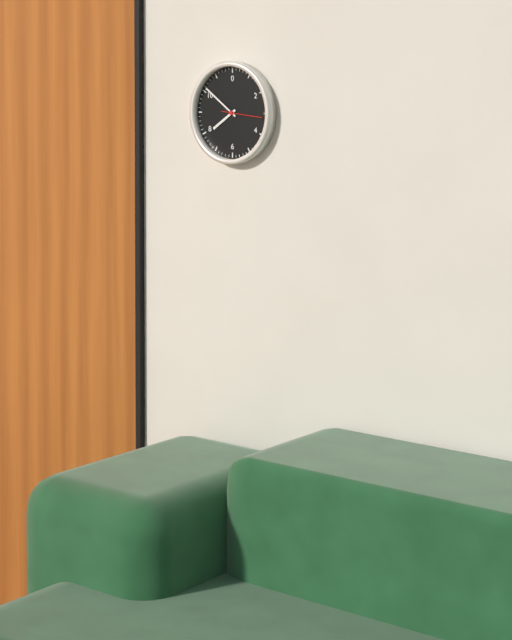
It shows 7h51
